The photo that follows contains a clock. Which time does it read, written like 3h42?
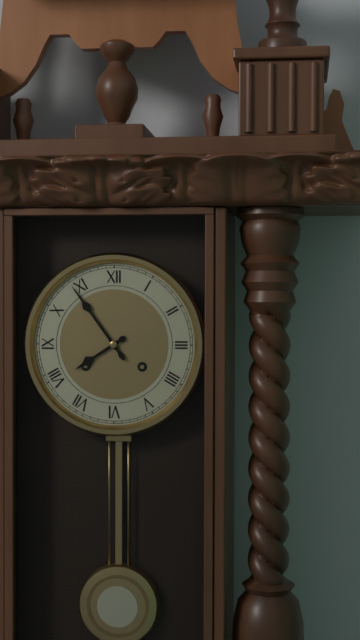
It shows 7h54
